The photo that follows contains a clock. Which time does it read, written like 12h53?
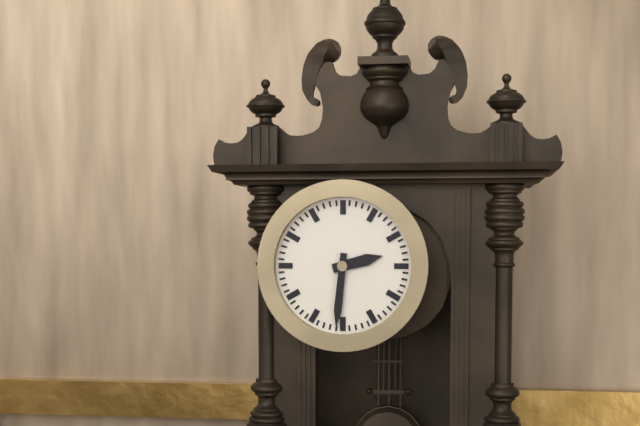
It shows 2h31
